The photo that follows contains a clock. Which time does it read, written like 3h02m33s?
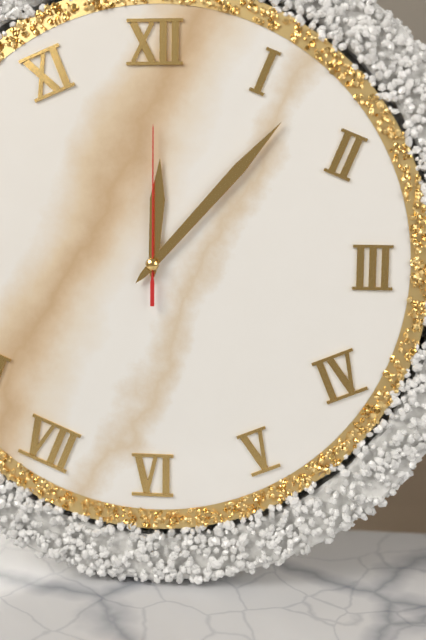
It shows 12h07m00s
